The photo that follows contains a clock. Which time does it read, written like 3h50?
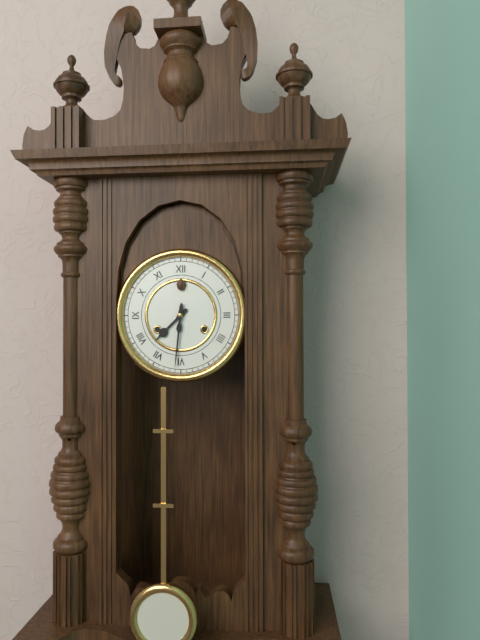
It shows 7h31
